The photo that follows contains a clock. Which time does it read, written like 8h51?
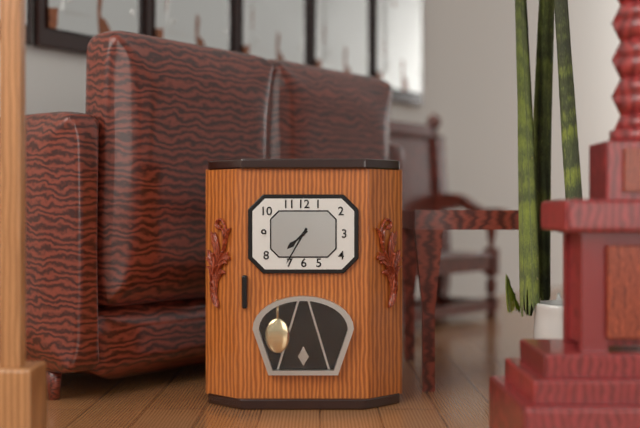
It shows 7h35
